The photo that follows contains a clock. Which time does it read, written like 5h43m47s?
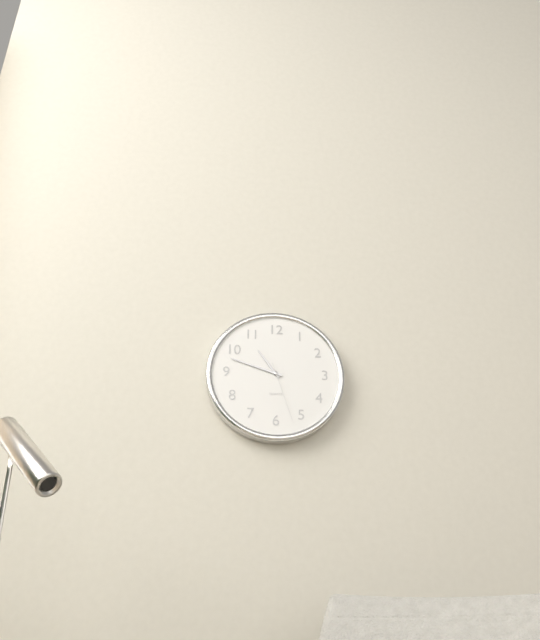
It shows 10h48m27s
